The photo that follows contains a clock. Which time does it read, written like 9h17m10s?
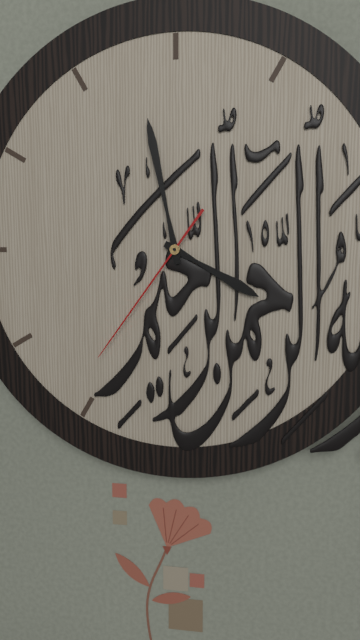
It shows 3h58m36s
